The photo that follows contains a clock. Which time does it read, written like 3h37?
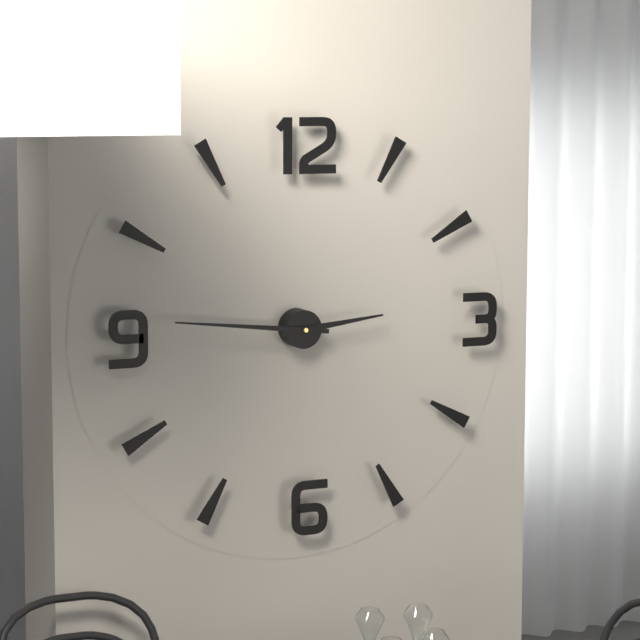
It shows 2h46
